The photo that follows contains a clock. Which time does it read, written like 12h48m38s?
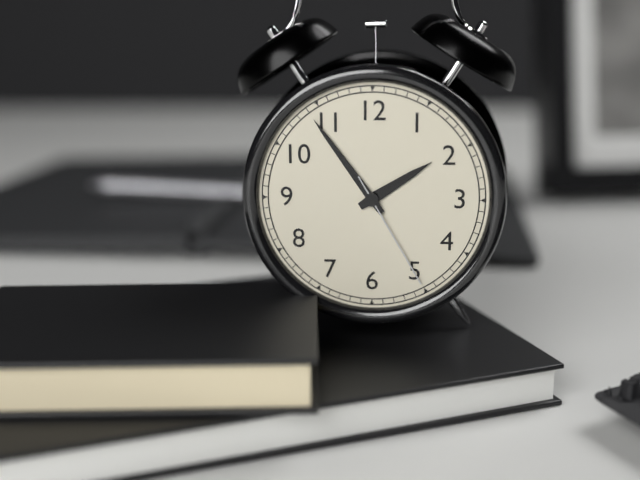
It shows 1h54m25s
